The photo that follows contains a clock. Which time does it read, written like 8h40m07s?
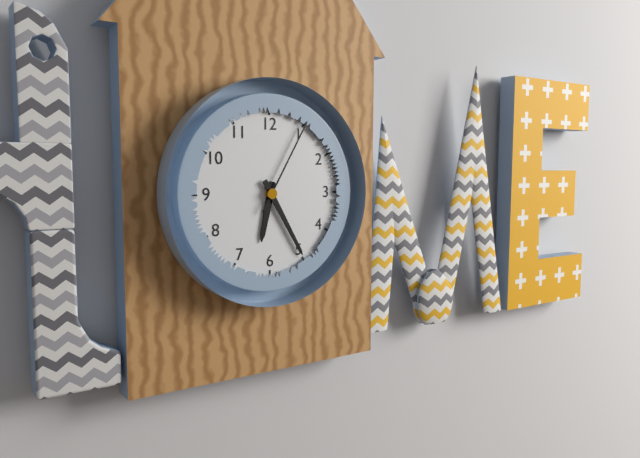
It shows 6h25m05s
